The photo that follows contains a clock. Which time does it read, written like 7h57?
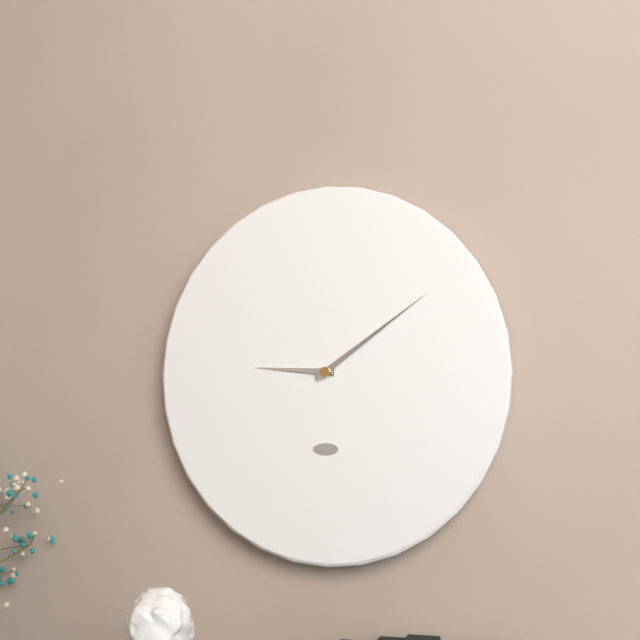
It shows 9h09
